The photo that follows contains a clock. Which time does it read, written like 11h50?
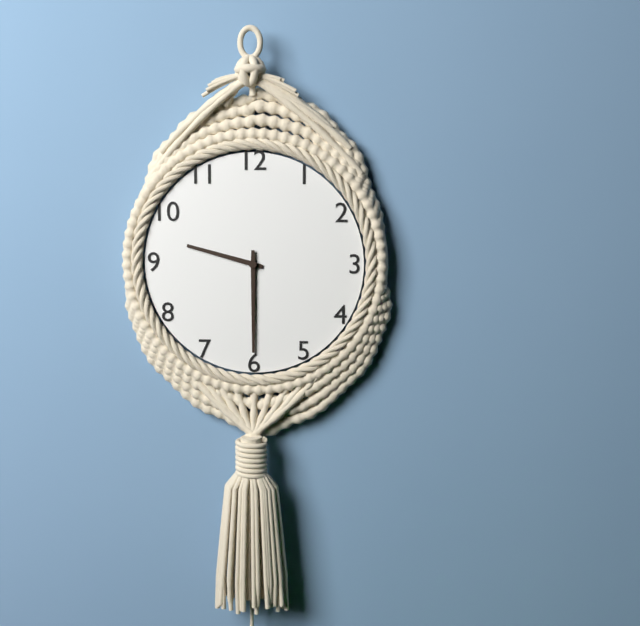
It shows 9h30
